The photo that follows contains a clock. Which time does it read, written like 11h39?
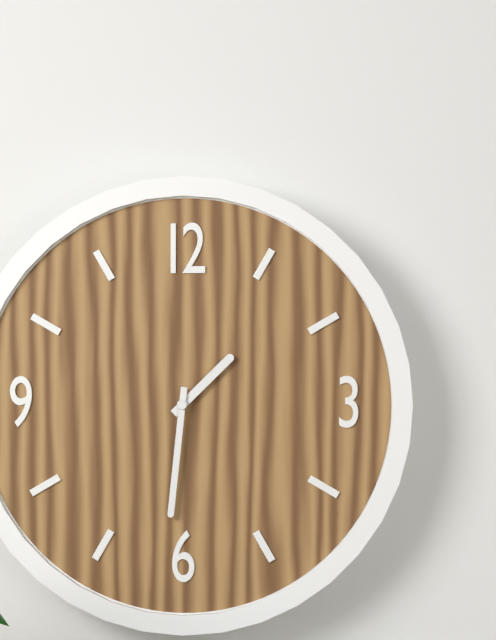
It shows 1h31
